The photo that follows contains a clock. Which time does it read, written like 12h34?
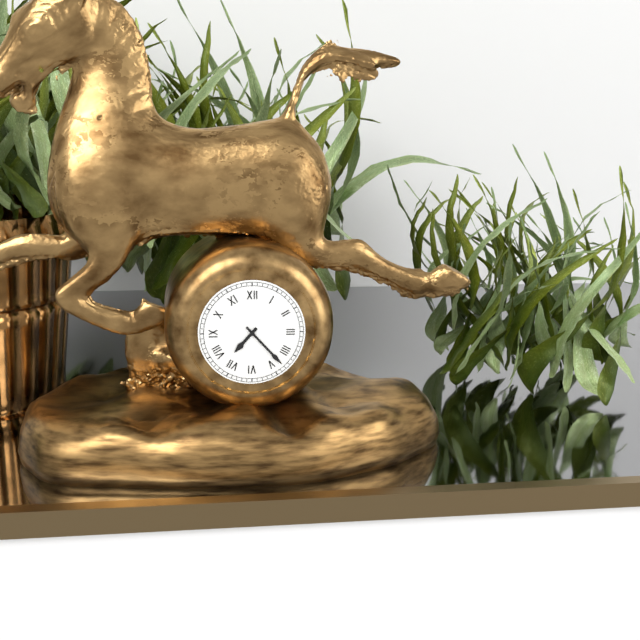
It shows 7h23
